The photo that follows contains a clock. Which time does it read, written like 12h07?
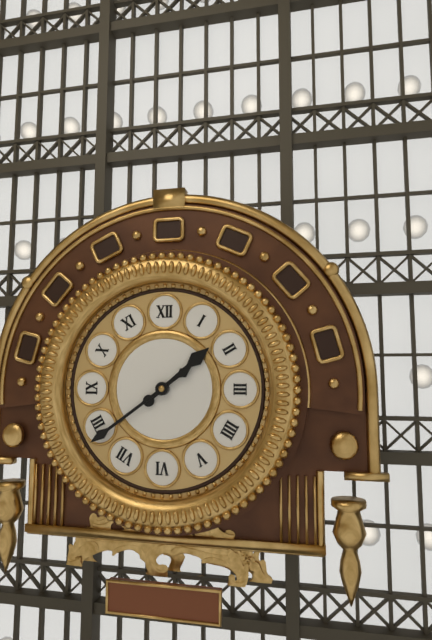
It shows 1h39
